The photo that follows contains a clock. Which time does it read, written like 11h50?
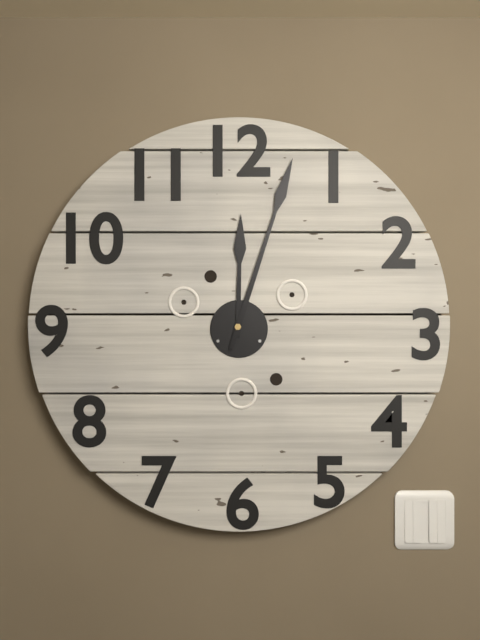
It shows 12h03
